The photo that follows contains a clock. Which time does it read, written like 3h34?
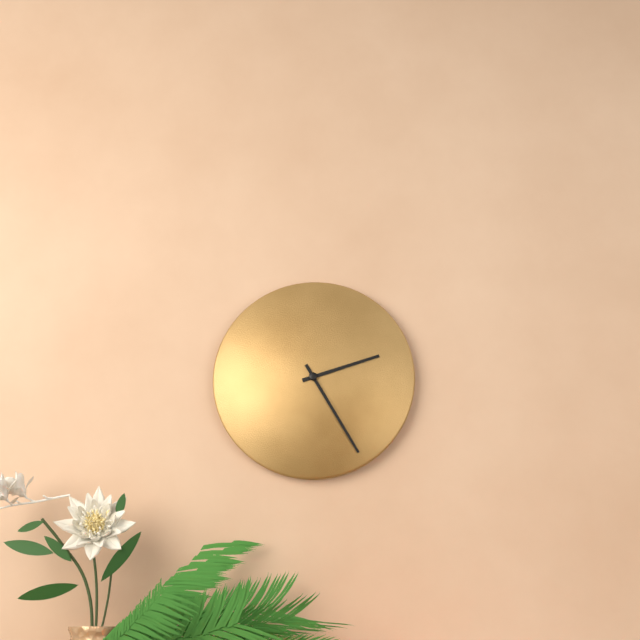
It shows 2h25
